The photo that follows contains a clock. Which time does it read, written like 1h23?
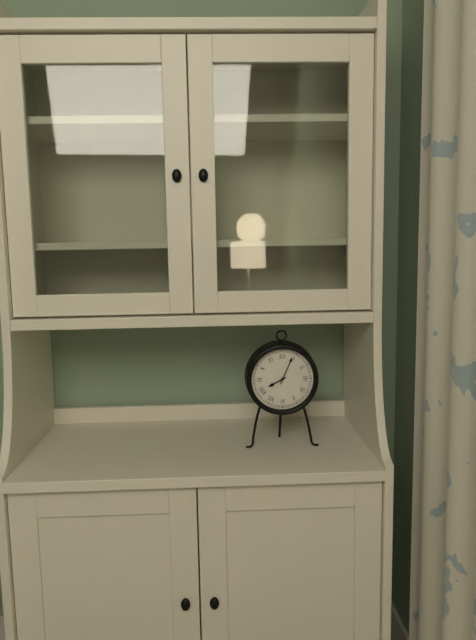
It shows 8h04
